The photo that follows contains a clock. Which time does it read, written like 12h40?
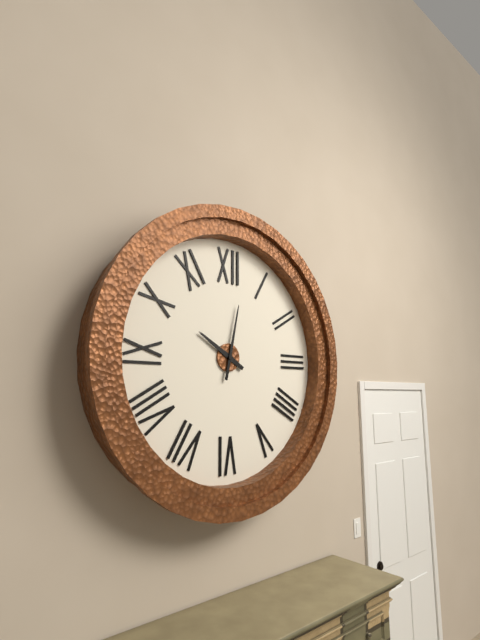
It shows 10h02
